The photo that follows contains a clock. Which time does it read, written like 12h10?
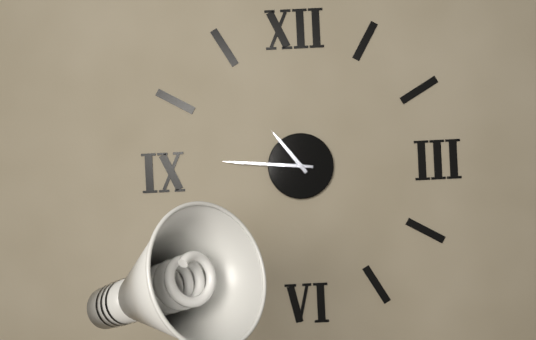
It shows 10h46
